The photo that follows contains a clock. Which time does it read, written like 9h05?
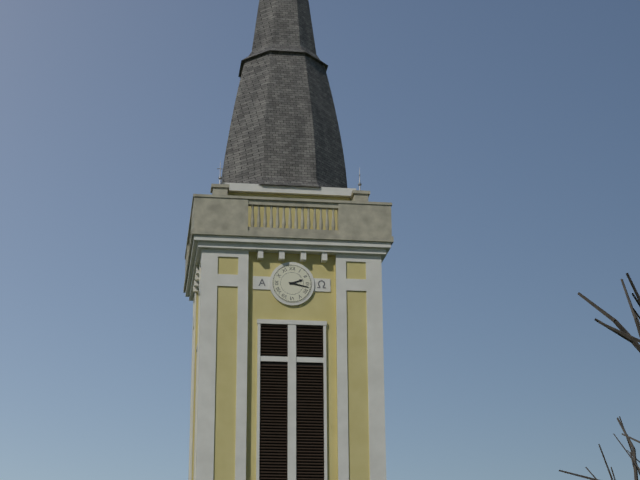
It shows 2h17
